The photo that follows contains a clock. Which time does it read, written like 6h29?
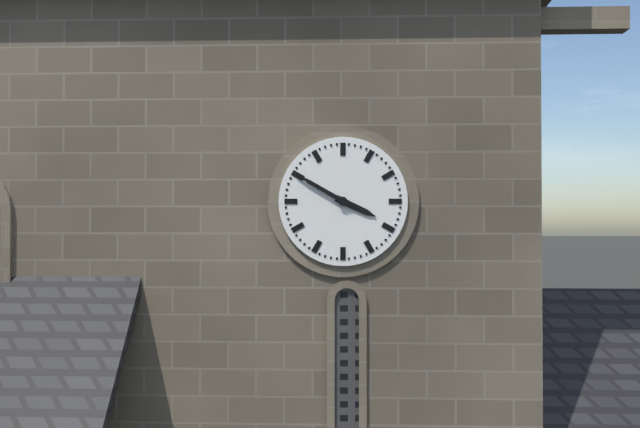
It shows 3h50
